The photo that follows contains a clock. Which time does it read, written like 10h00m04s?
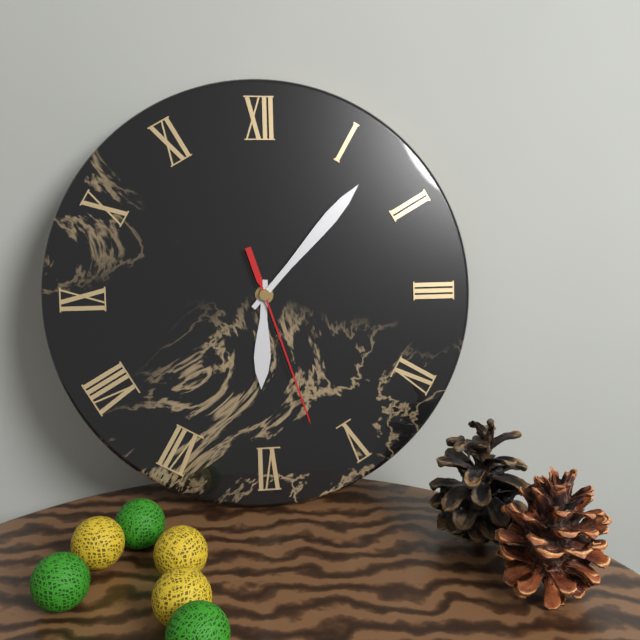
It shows 6h07m27s
